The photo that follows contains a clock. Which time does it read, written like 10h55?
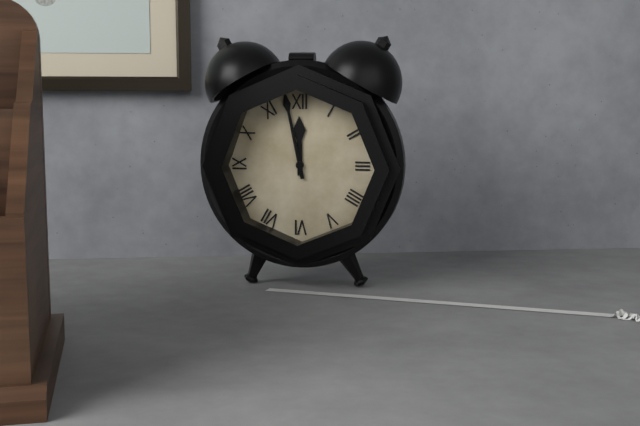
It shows 11h58
